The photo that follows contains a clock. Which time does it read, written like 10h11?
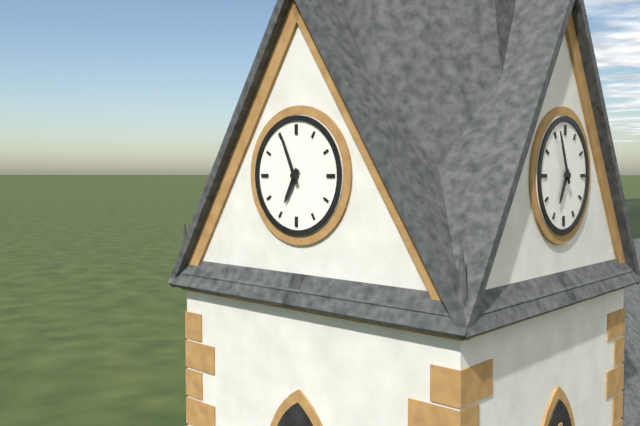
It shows 6h56
